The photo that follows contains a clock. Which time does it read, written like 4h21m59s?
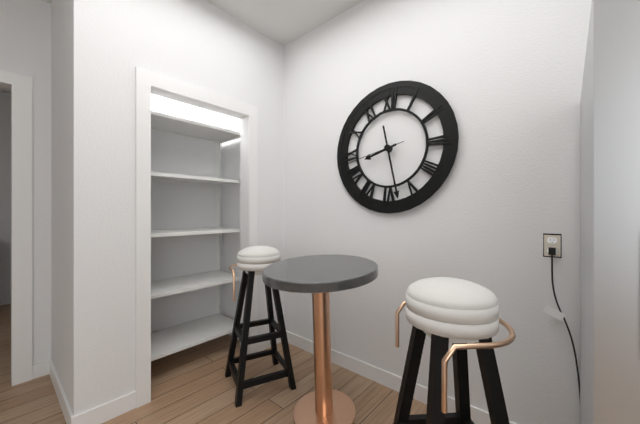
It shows 8h28m43s
